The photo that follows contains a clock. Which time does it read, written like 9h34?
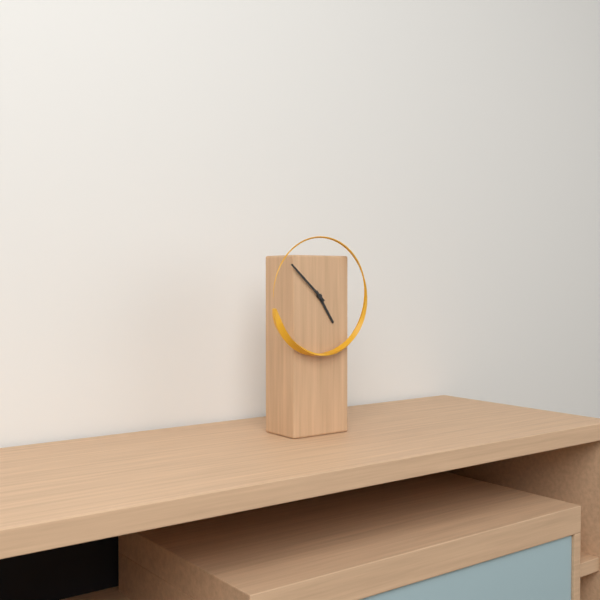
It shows 4h52
